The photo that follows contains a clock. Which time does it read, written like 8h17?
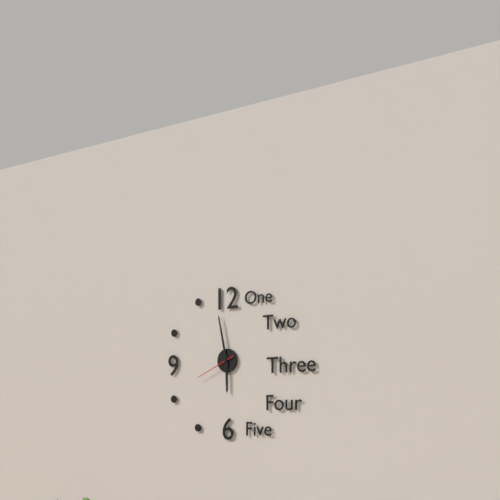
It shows 5h58
